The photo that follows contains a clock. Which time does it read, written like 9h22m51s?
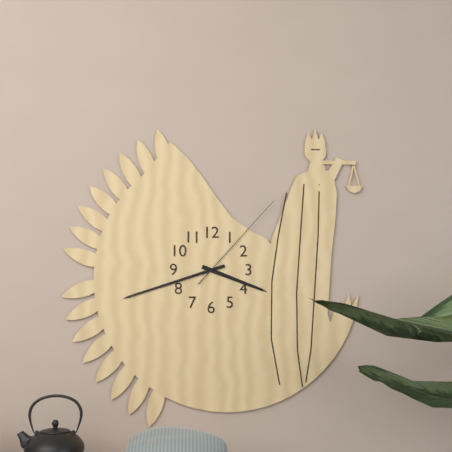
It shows 3h42m07s
